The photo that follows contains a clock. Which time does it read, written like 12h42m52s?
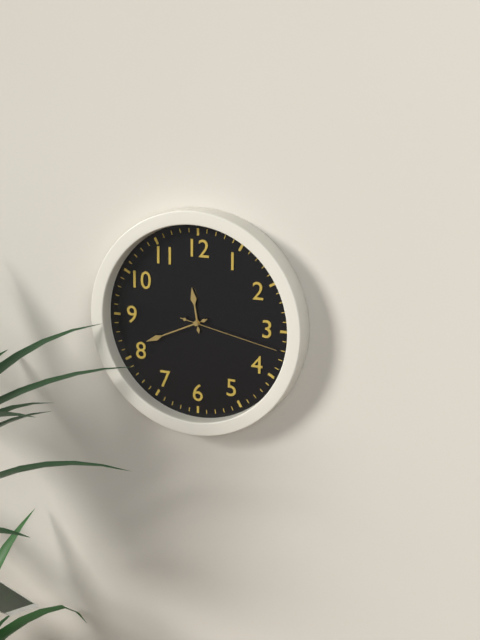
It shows 11h41m17s
